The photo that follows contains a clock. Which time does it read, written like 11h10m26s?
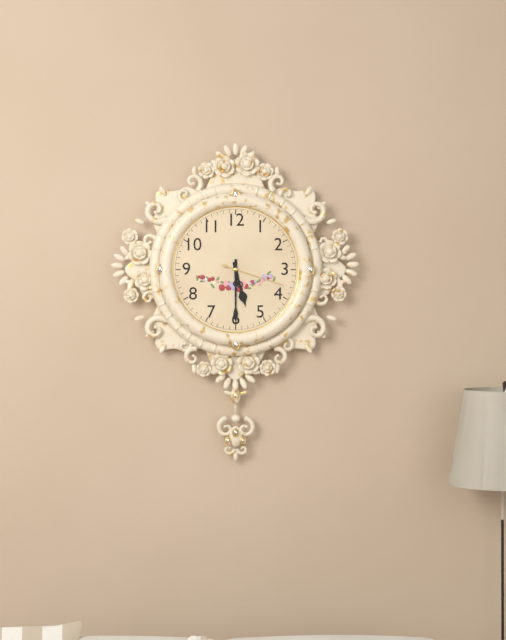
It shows 5h30m18s
